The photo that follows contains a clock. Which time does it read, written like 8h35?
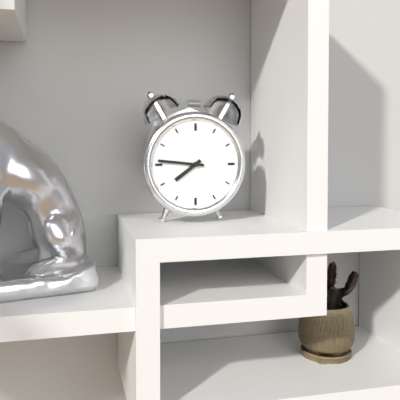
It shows 7h46
